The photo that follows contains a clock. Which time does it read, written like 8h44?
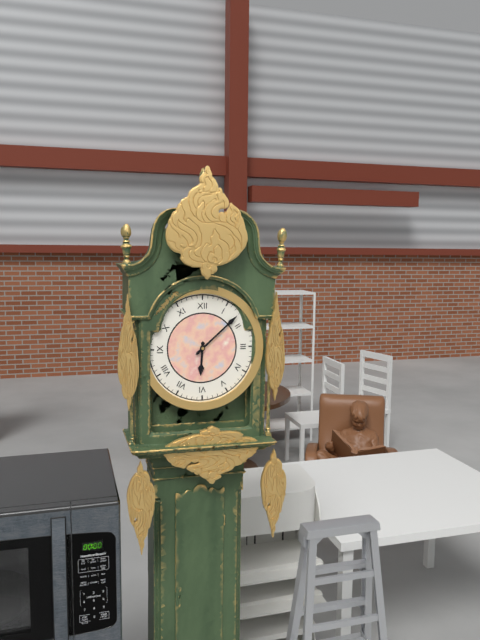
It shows 6h08
